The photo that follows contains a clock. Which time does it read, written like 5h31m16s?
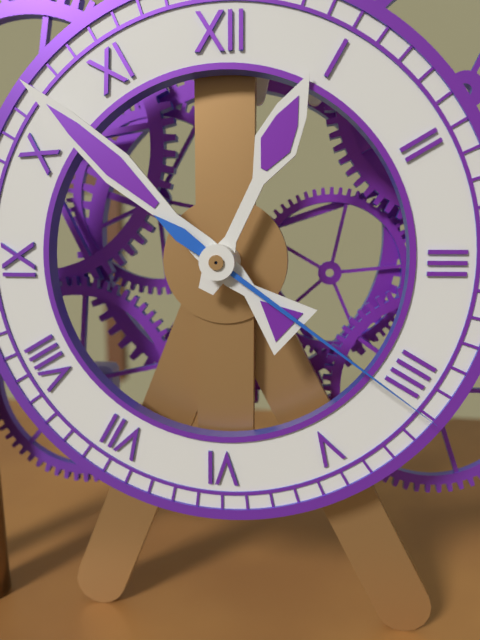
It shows 12h52m21s
